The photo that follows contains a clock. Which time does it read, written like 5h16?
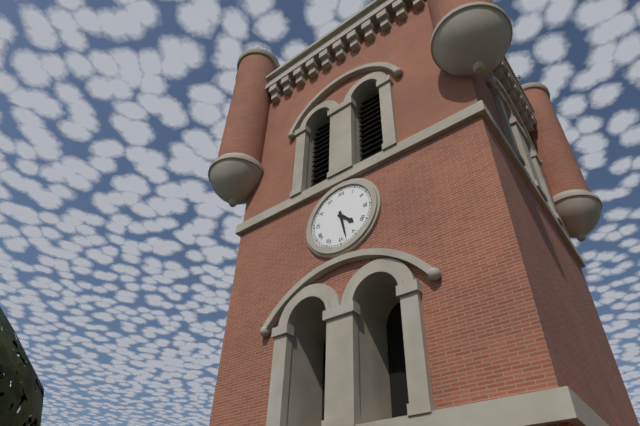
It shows 4h28
